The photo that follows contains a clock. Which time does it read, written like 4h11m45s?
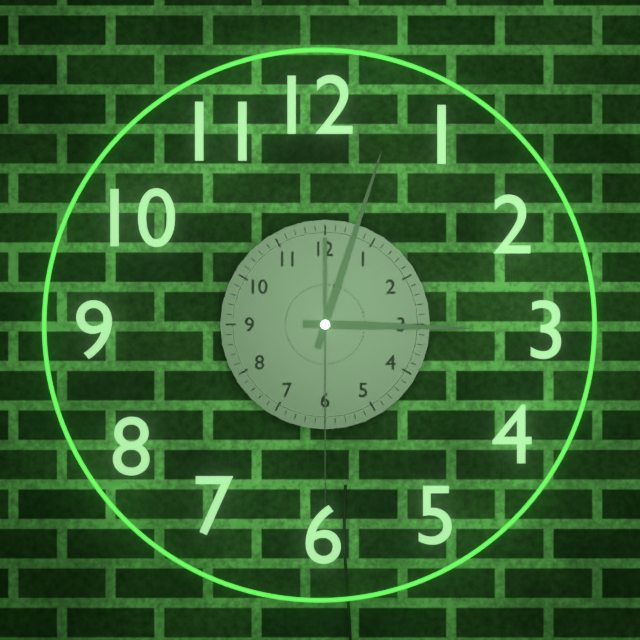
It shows 3h03m30s
